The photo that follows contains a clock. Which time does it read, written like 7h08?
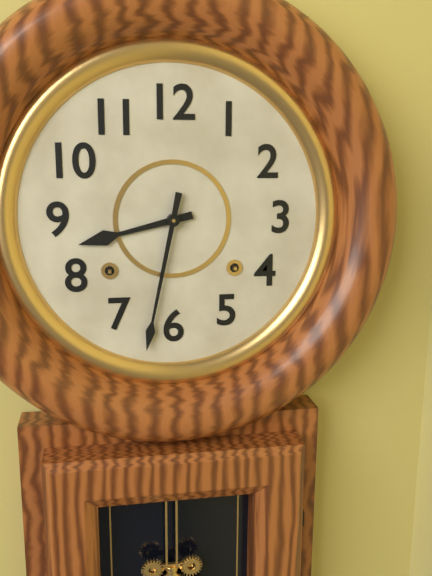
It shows 8h32
